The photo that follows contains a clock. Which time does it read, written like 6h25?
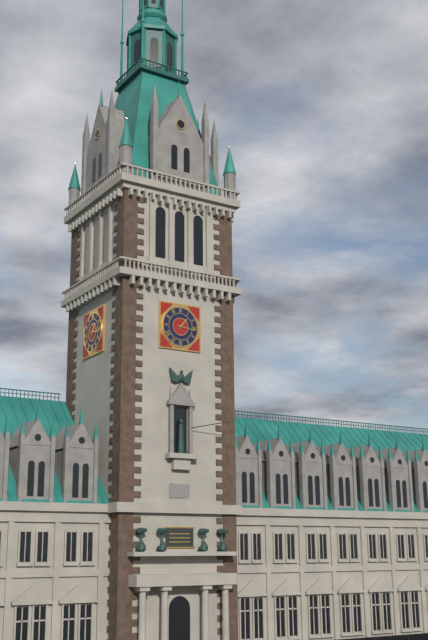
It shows 1h16
